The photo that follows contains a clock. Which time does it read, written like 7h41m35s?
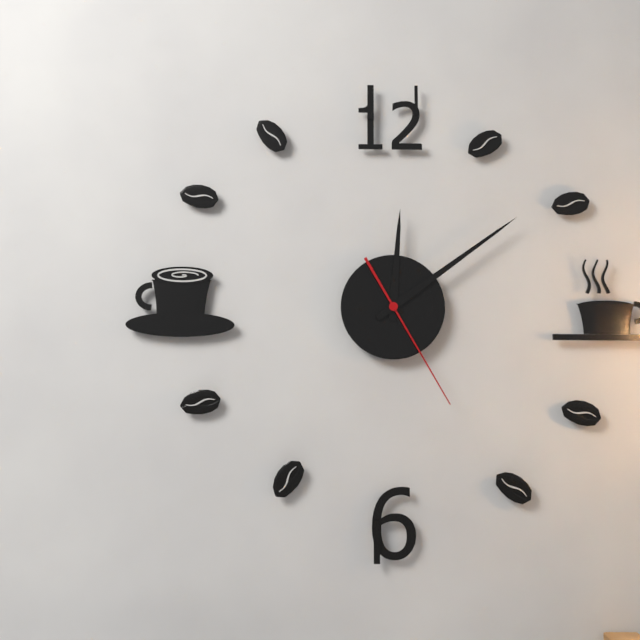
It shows 12h09m25s
